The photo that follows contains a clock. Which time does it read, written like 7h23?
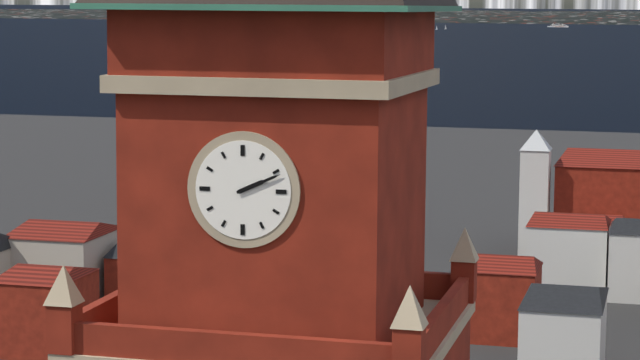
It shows 2h11
